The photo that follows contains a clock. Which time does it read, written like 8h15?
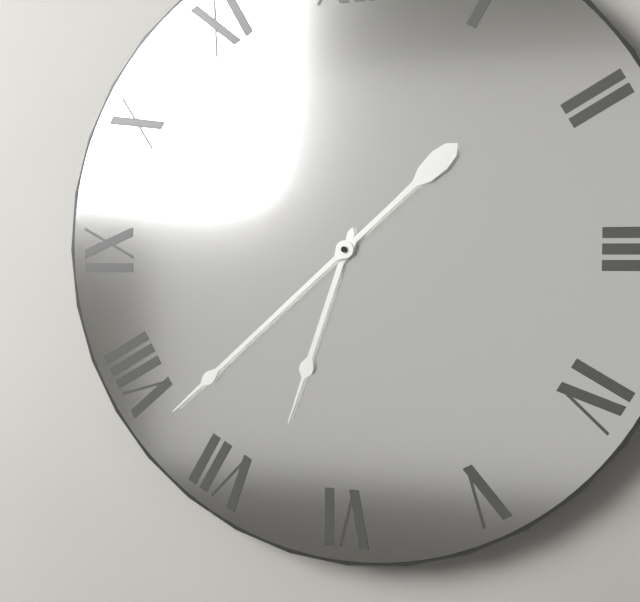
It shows 6h38
